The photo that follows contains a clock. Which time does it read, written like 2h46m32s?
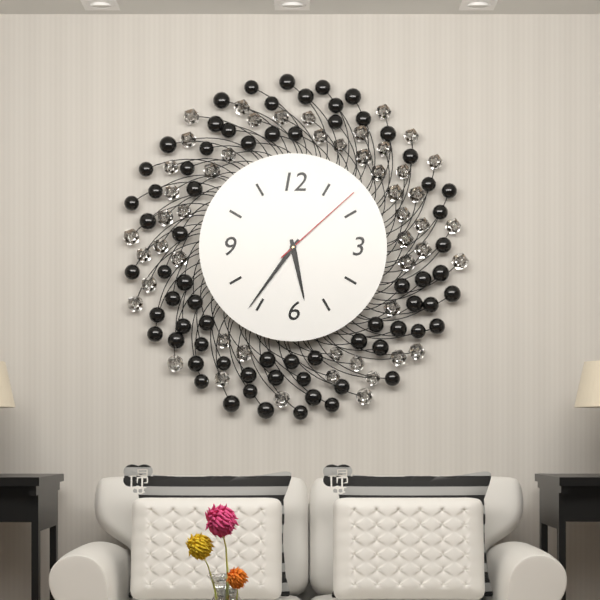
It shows 5h36m08s
